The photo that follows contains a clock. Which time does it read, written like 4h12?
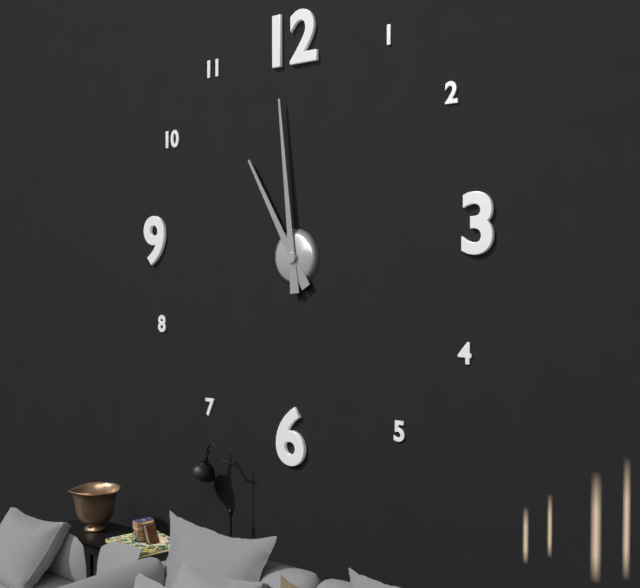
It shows 10h59
